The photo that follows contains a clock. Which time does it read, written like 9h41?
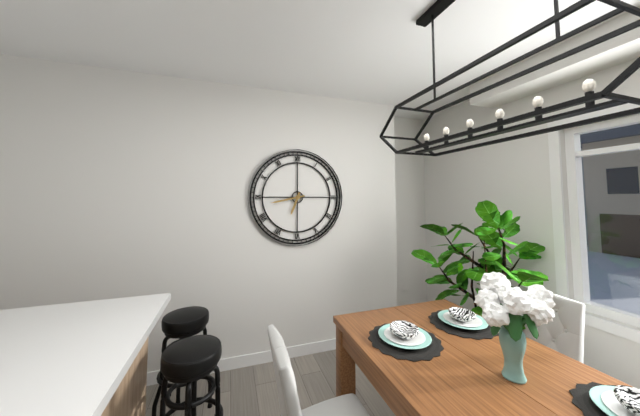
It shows 6h43
